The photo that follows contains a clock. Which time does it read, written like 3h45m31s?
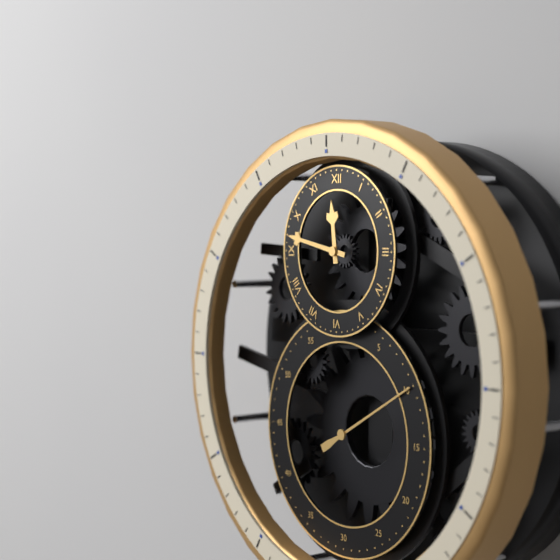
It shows 11h47m10s
